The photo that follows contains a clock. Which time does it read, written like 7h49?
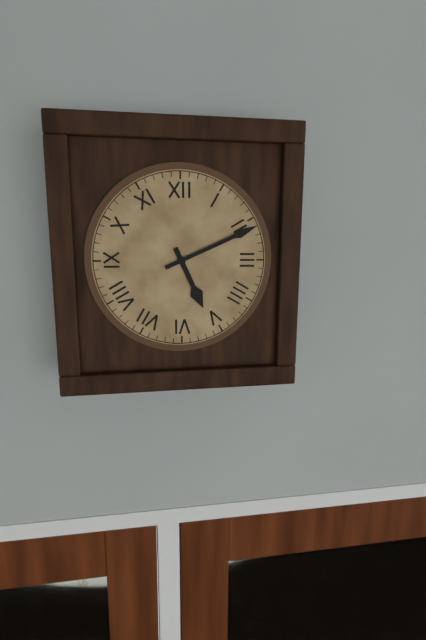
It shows 5h11
